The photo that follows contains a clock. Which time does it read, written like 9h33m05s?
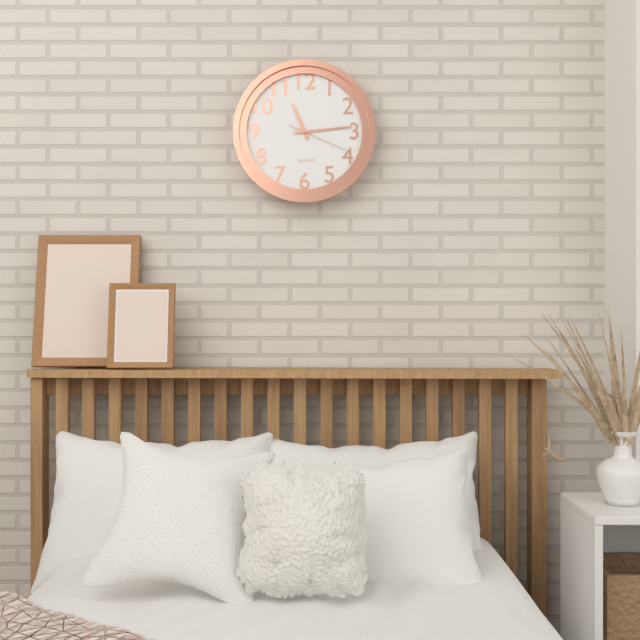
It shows 11h14m19s
